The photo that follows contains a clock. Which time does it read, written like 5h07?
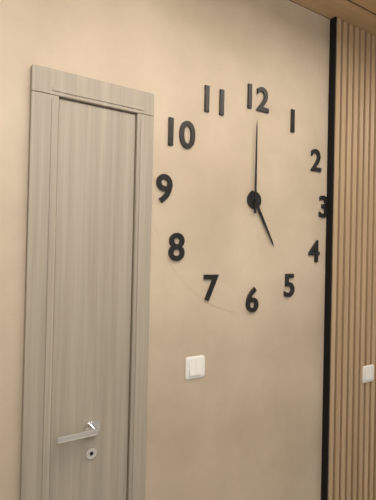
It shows 5h00
